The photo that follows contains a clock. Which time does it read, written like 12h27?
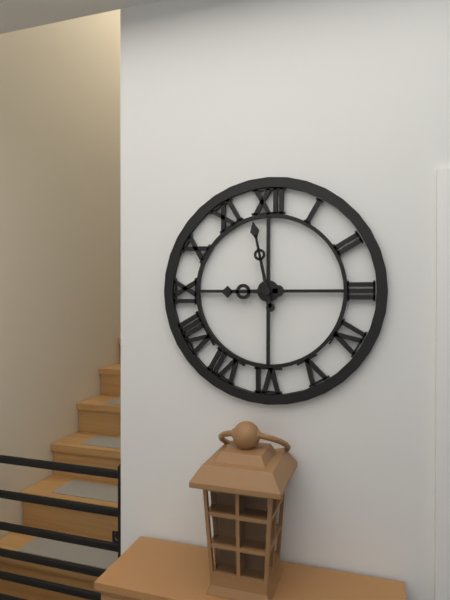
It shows 8h58
